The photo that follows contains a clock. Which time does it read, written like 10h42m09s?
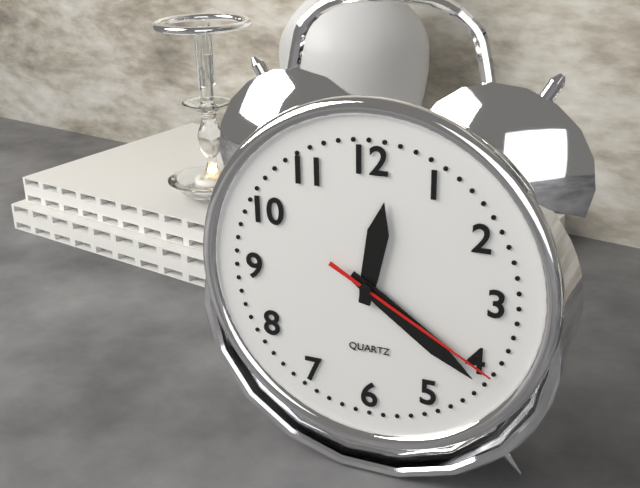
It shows 12h21m20s
